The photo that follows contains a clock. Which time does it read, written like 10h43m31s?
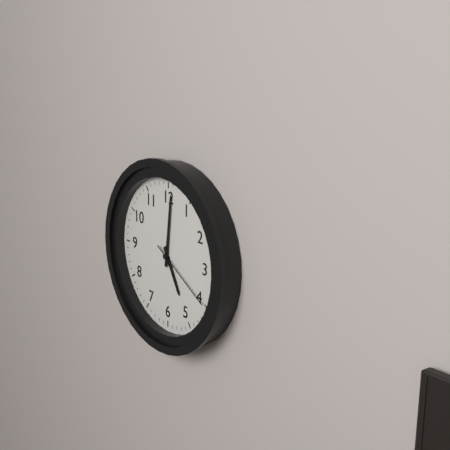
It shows 5h01m20s
